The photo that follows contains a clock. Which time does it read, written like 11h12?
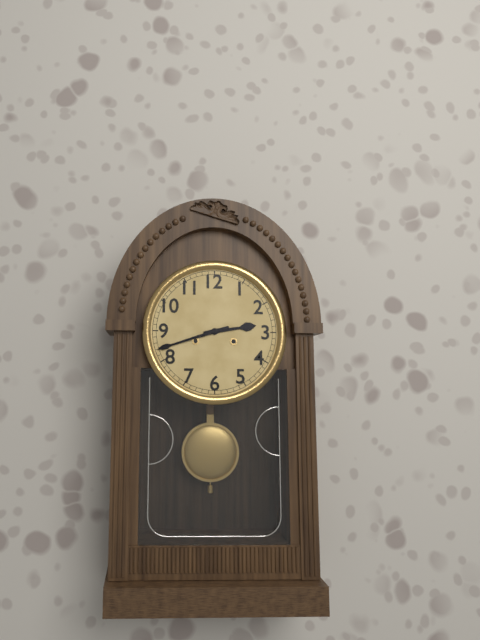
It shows 2h42
